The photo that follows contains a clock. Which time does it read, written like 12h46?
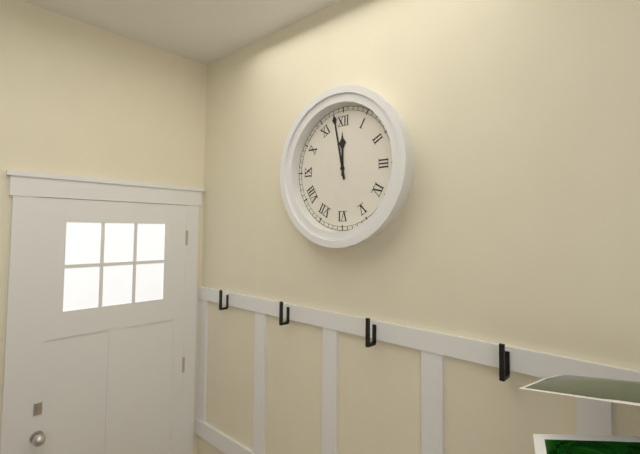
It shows 11h58
